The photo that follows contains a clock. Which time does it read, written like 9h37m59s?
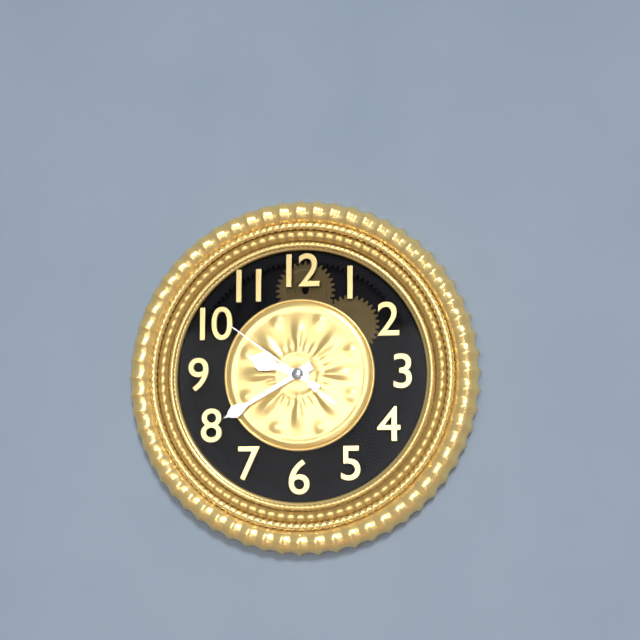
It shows 9h40m51s
